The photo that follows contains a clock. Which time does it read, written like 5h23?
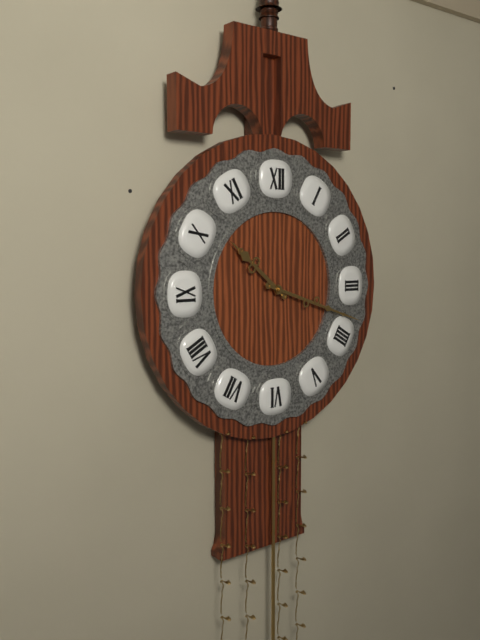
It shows 10h18
